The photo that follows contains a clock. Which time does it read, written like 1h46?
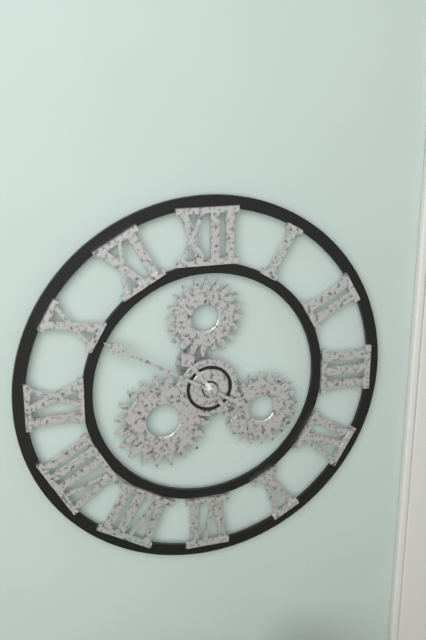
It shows 4h50
